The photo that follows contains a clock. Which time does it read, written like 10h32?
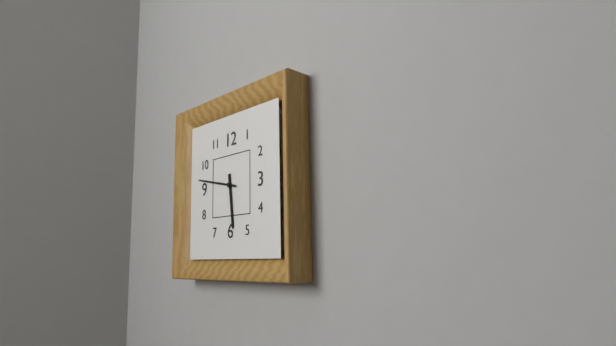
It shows 5h47
